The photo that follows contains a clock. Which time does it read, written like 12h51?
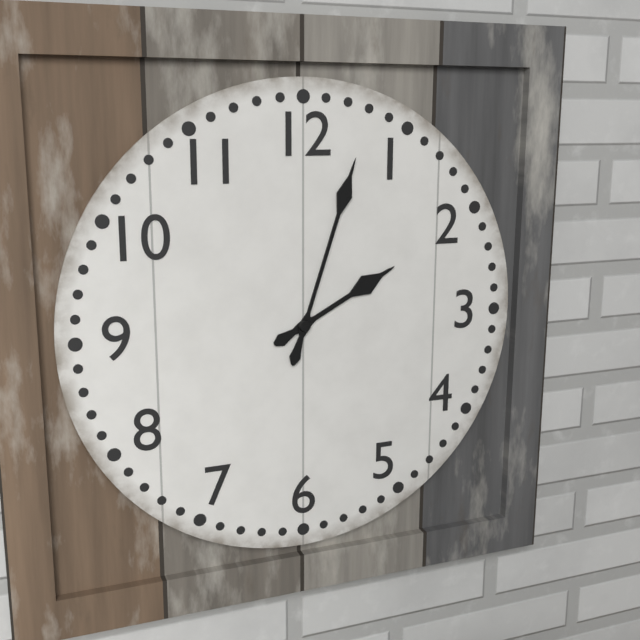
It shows 2h03
